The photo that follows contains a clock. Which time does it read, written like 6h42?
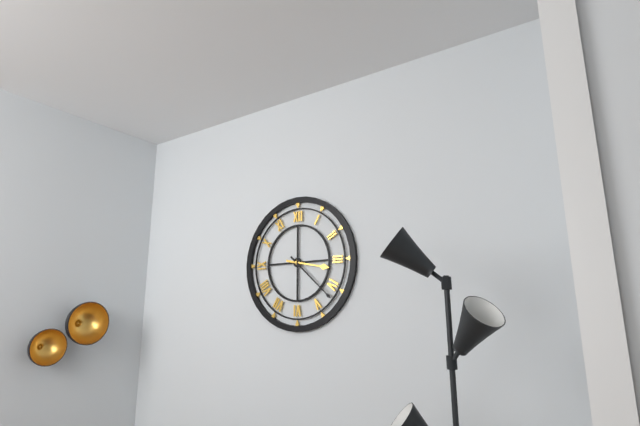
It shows 3h22
